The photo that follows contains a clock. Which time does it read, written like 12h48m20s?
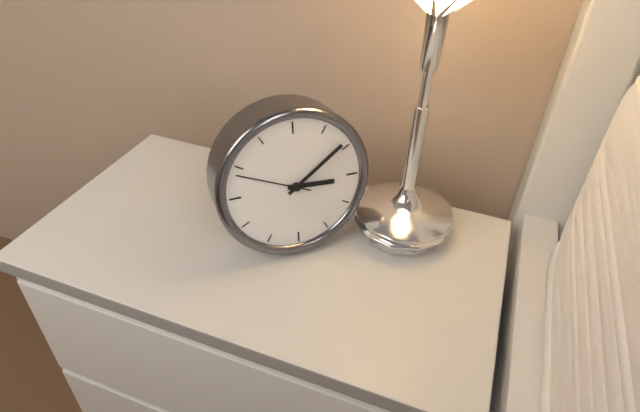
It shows 3h09m49s
